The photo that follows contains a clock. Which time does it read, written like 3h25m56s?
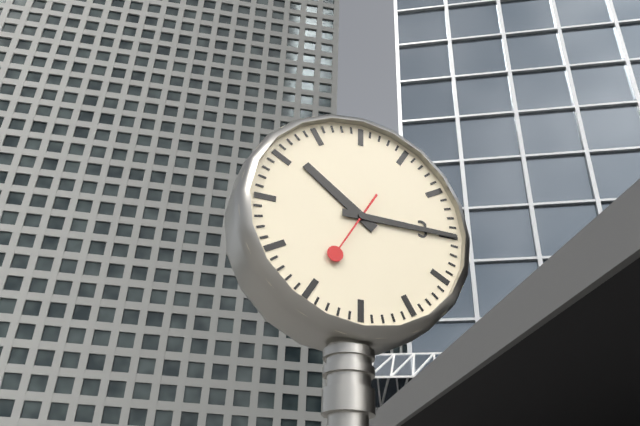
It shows 10h15m35s
